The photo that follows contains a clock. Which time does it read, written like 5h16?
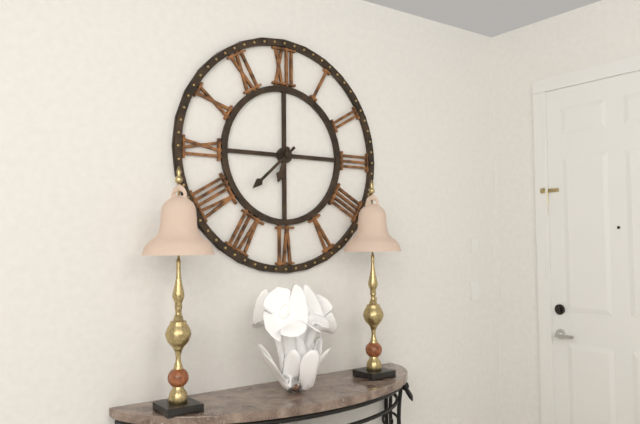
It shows 6h38
